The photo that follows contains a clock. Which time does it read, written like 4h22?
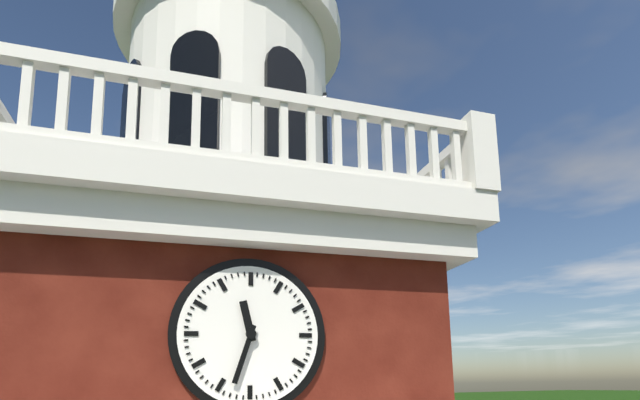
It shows 11h33
